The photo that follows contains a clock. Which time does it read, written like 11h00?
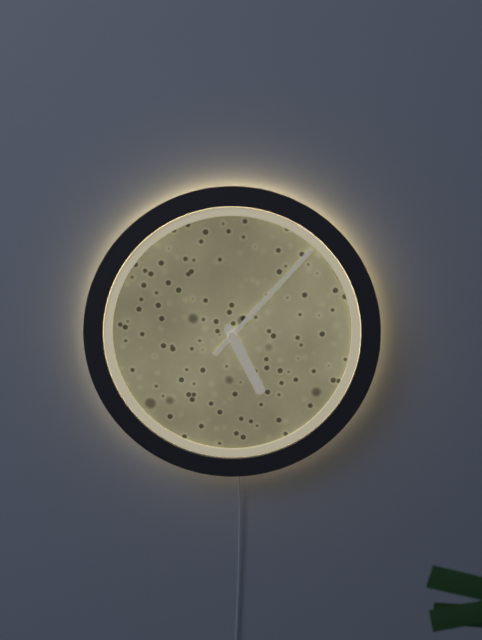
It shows 5h07
